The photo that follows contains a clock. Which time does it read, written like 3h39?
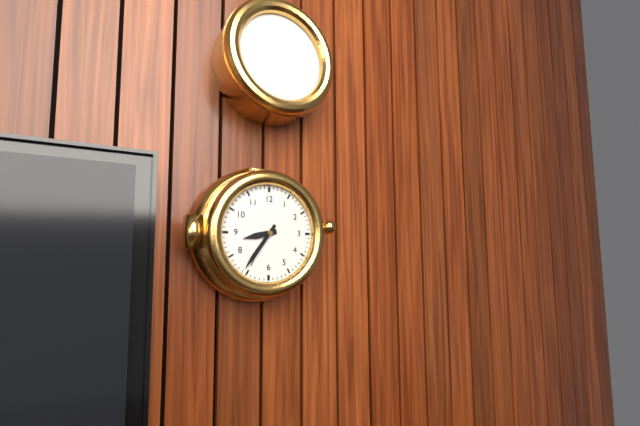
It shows 8h36
